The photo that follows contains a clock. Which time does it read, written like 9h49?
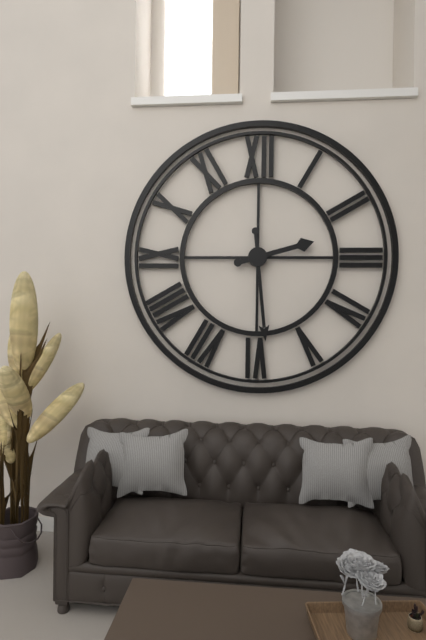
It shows 2h29
